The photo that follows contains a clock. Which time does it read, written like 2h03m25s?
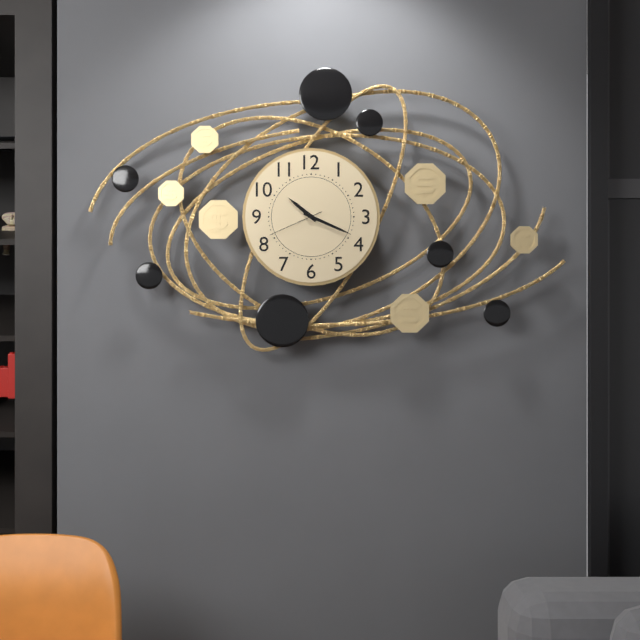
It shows 10h19m41s
